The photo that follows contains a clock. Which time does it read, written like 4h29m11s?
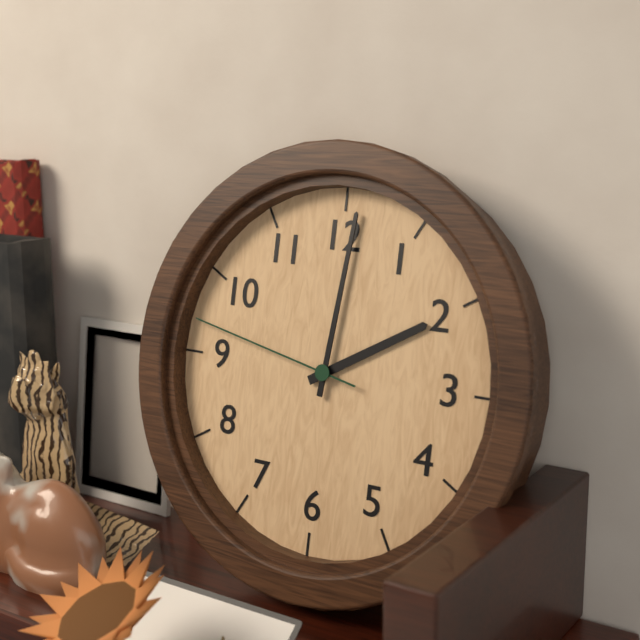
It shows 2h01m47s
